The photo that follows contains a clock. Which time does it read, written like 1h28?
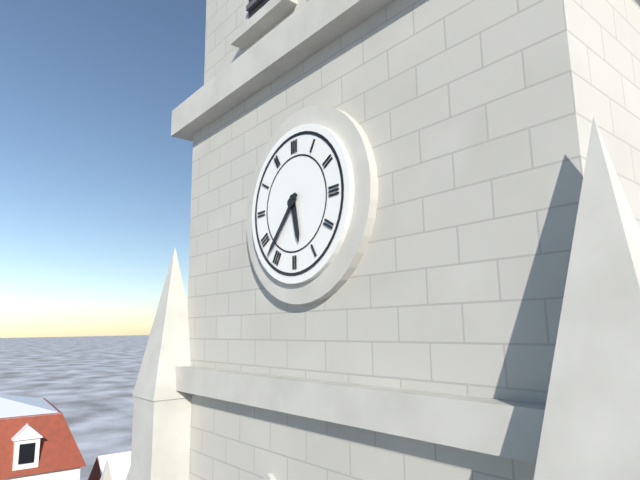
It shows 5h37
